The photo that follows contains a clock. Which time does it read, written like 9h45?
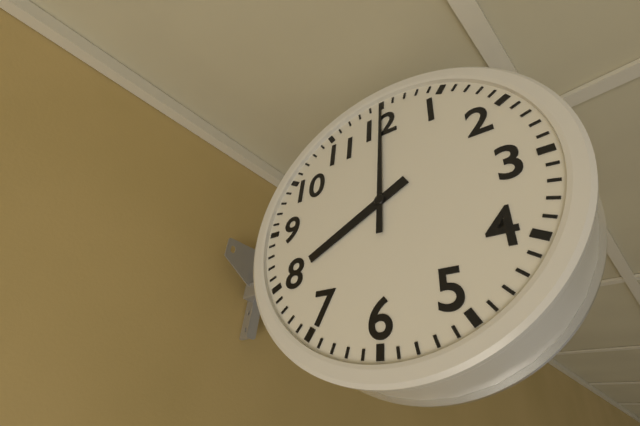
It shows 8h00
